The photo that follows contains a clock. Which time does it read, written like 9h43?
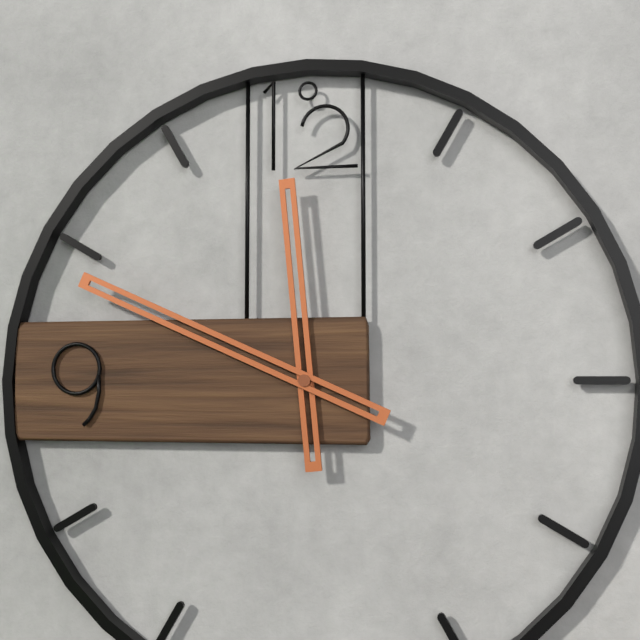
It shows 11h49
